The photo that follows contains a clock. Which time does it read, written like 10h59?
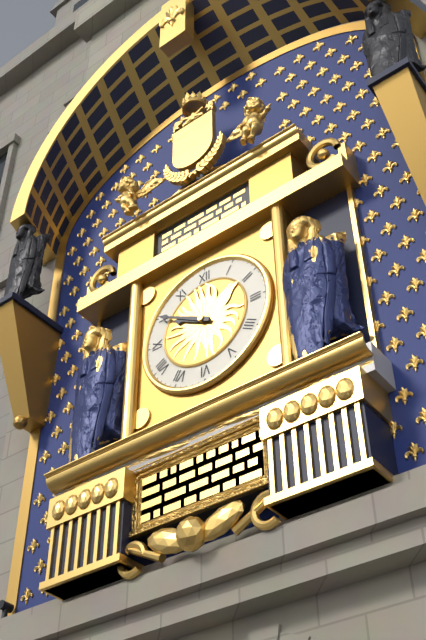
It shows 9h50
